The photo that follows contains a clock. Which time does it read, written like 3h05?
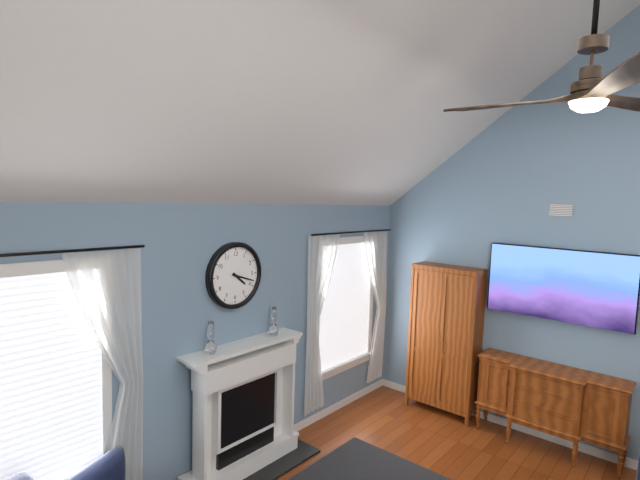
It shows 4h18
